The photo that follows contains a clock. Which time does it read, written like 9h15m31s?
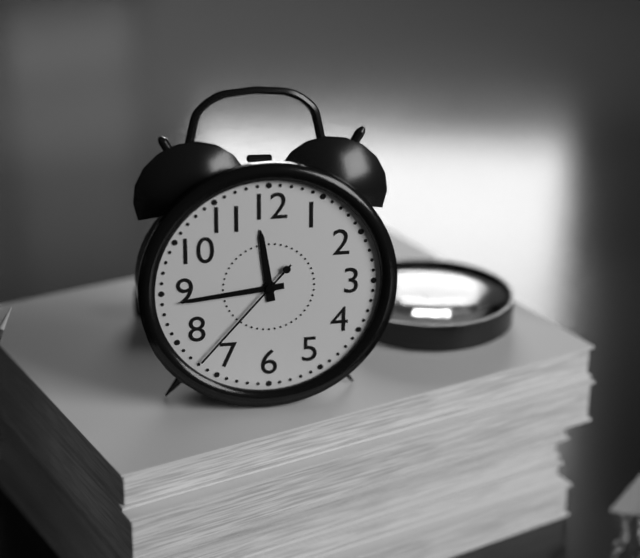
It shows 11h44m37s
